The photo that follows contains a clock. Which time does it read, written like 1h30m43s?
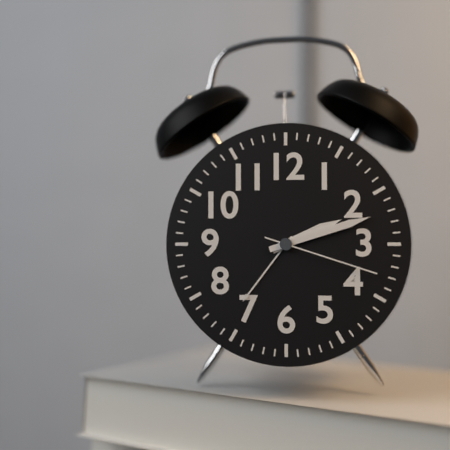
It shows 2h12m18s
